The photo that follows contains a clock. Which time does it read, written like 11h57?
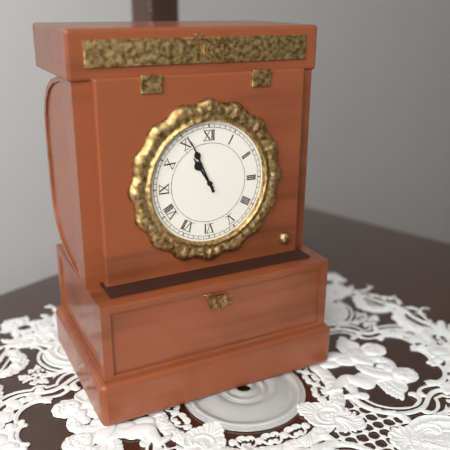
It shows 10h56
